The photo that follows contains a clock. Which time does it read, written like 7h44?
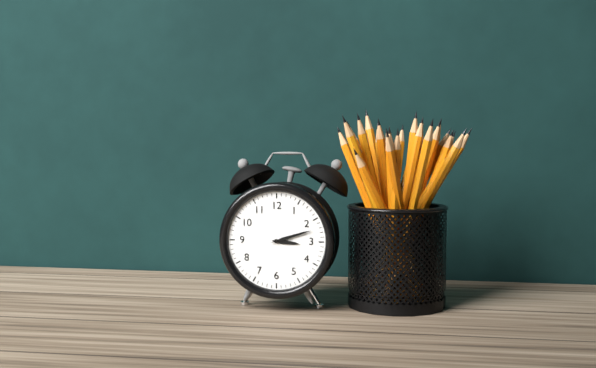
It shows 3h12
